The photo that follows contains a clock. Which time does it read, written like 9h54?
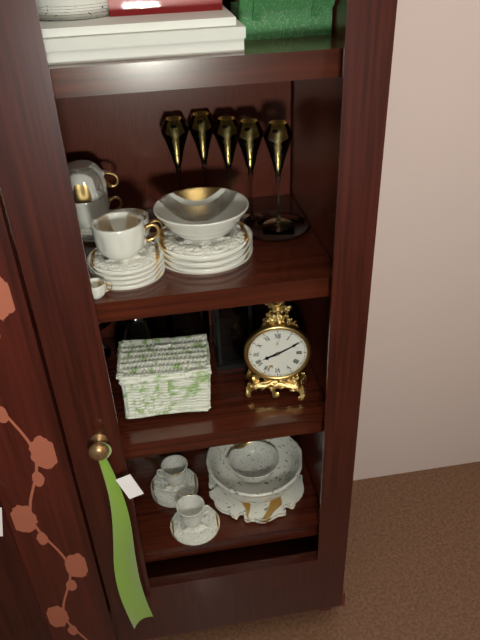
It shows 8h10
